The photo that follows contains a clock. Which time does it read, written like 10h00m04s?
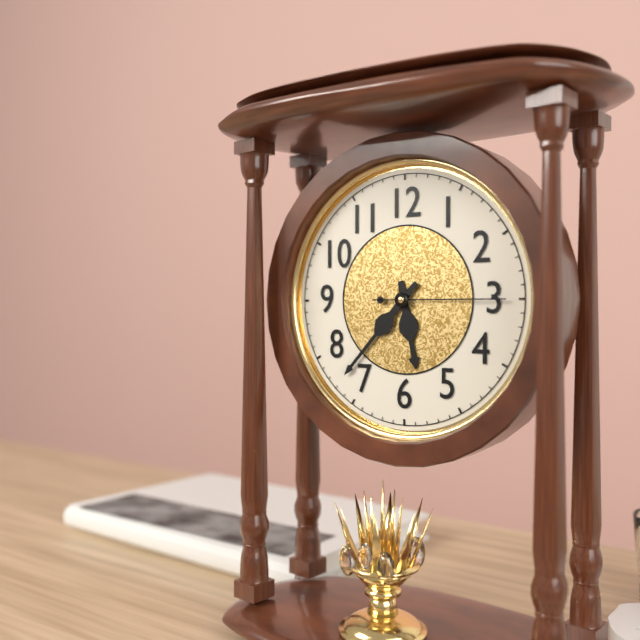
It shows 5h37m15s
